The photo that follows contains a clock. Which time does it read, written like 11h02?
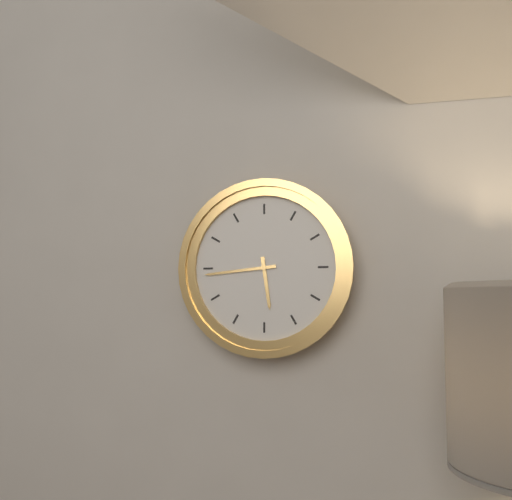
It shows 5h44
